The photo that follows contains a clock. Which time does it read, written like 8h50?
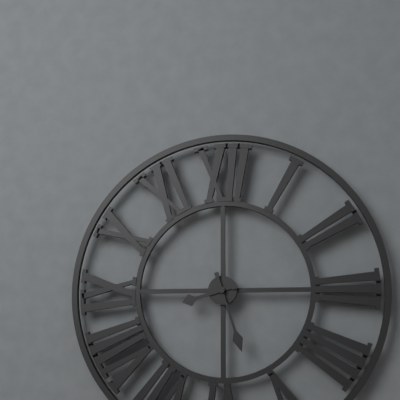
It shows 8h27
